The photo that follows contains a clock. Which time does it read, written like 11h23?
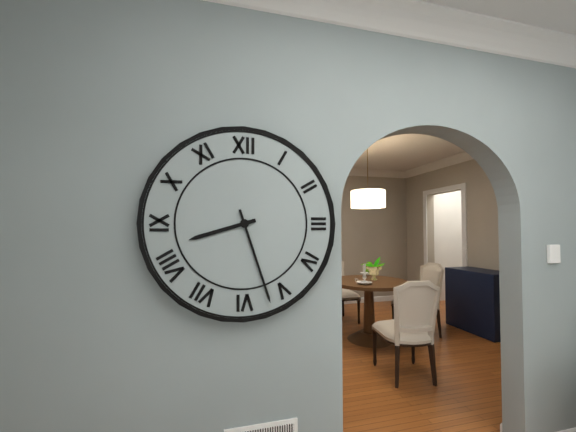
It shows 8h27
